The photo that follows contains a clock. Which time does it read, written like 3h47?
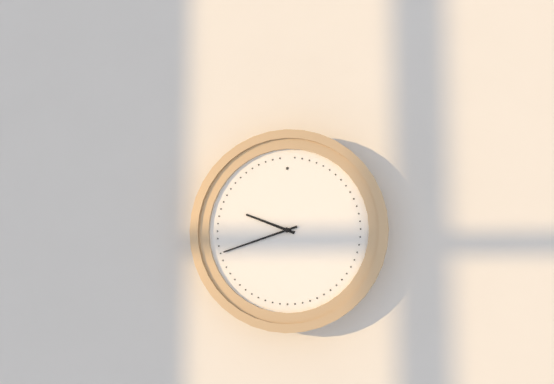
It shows 9h42
